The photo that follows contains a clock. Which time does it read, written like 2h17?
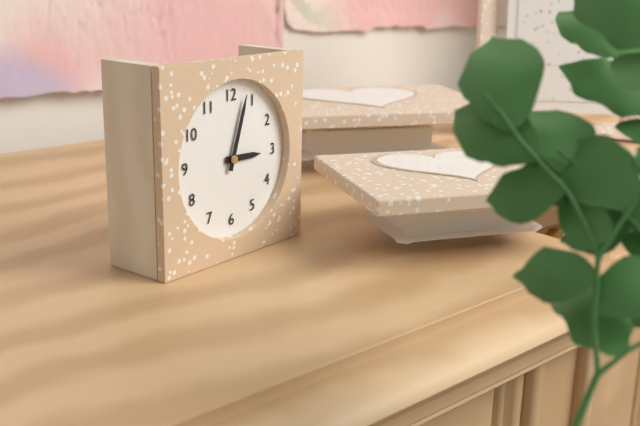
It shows 3h03
